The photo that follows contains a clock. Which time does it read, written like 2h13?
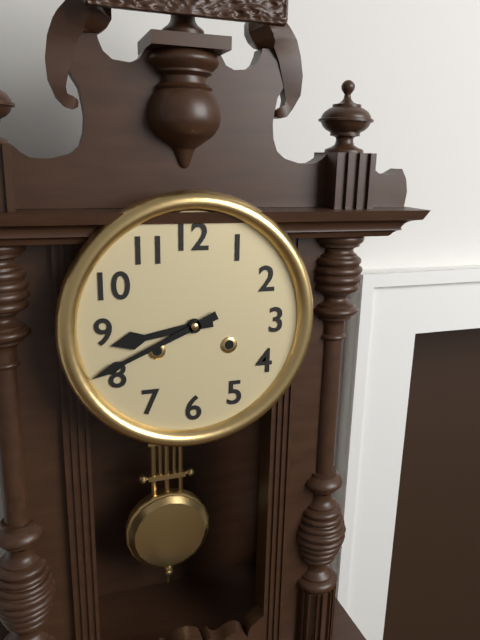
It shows 8h41
